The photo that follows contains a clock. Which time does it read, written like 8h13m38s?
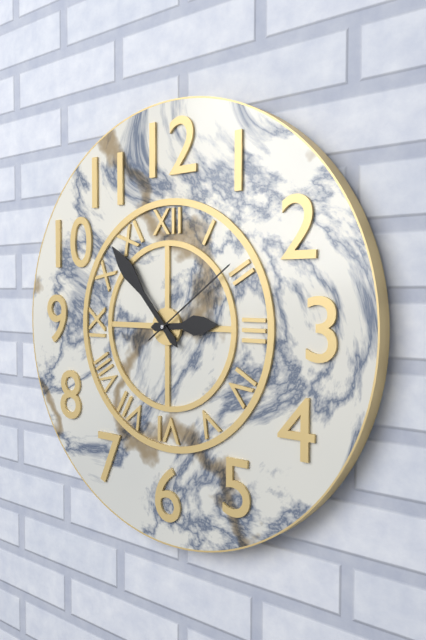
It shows 2h53m09s
